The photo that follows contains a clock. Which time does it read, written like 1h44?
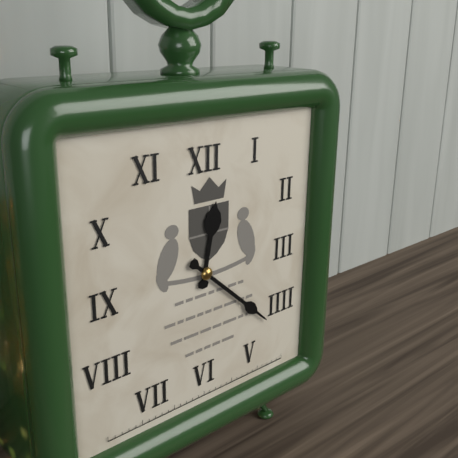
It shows 12h22
